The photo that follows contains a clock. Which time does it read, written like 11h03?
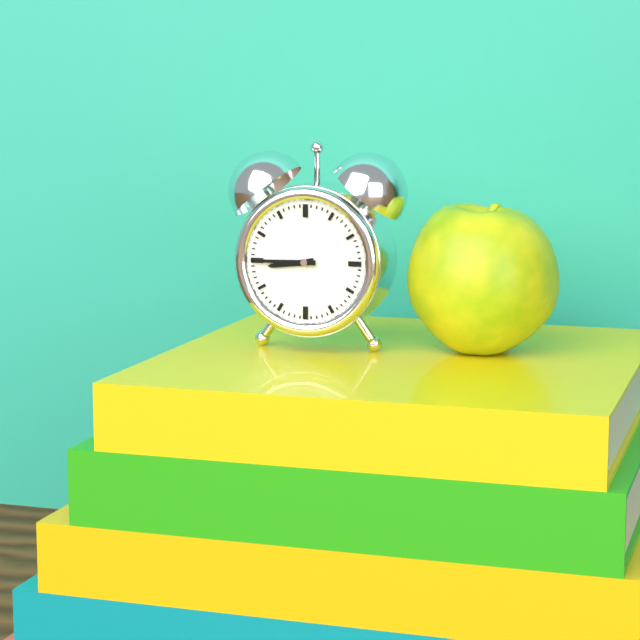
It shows 8h45
